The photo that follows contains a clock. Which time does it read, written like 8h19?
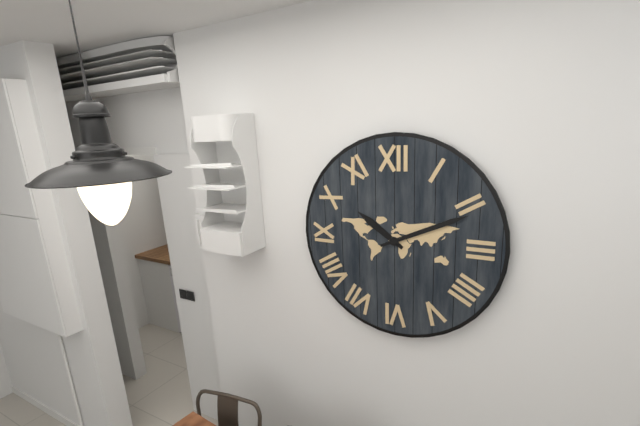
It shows 10h11
